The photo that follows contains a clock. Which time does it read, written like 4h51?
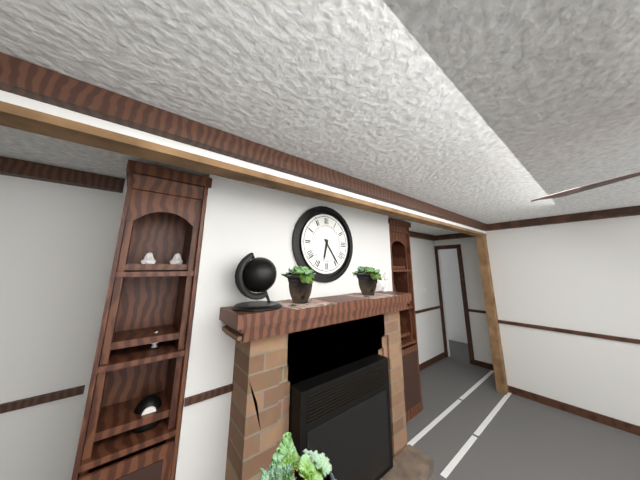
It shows 6h24
